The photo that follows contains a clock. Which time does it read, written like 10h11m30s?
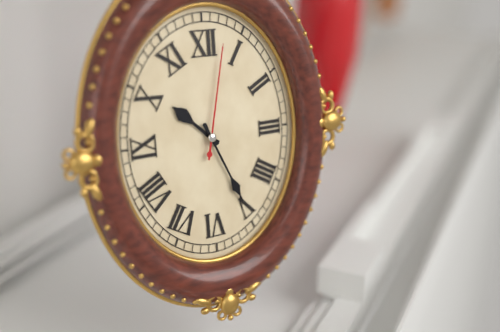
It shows 10h26m02s
